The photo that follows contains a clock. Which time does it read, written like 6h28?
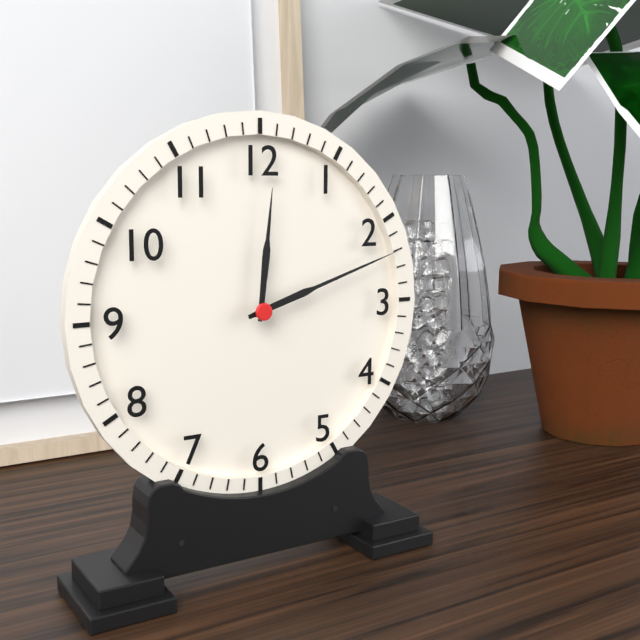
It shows 12h12
